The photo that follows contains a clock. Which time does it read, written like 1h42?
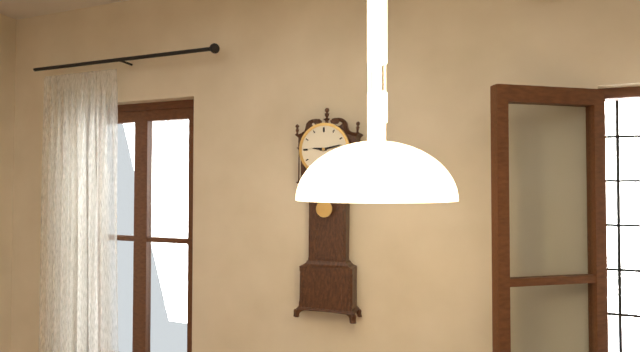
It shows 9h13
